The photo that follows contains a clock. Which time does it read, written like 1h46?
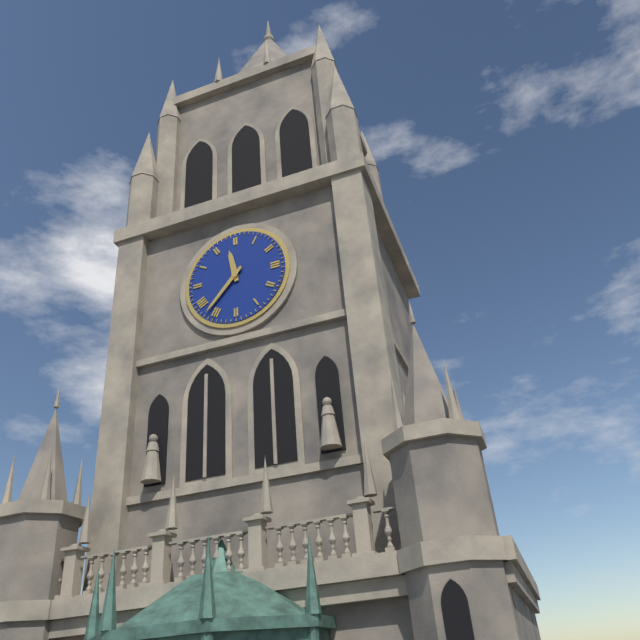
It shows 11h37
